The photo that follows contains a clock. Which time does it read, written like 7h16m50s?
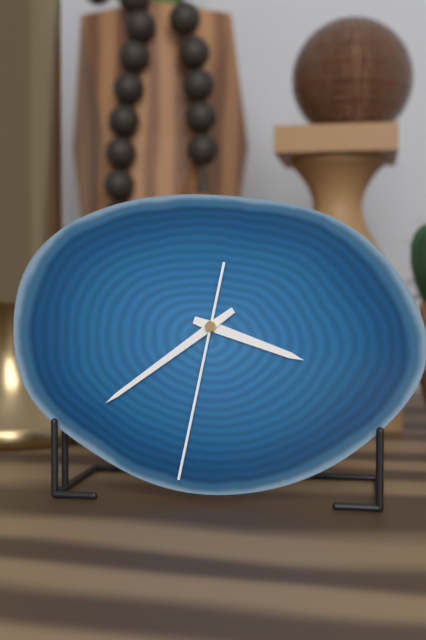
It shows 3h39m32s
